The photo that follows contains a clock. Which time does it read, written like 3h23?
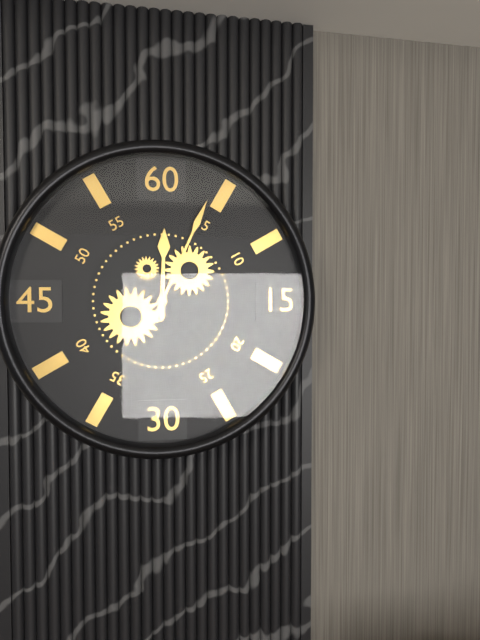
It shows 12h04
